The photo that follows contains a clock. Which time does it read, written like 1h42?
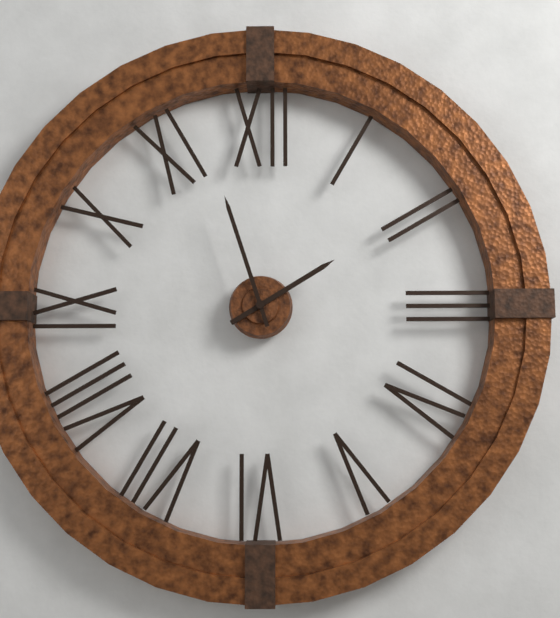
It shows 1h57
